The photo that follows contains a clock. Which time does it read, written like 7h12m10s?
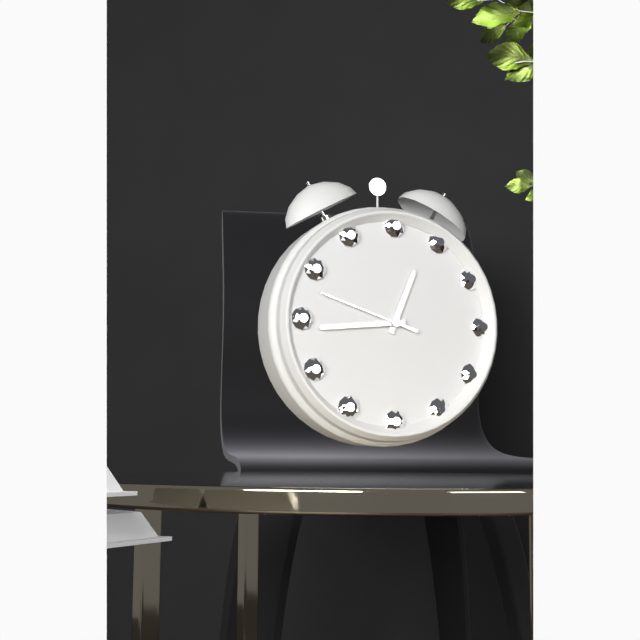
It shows 12h44m48s
